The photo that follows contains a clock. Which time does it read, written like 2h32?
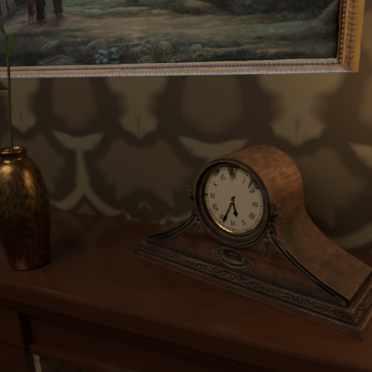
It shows 5h34
